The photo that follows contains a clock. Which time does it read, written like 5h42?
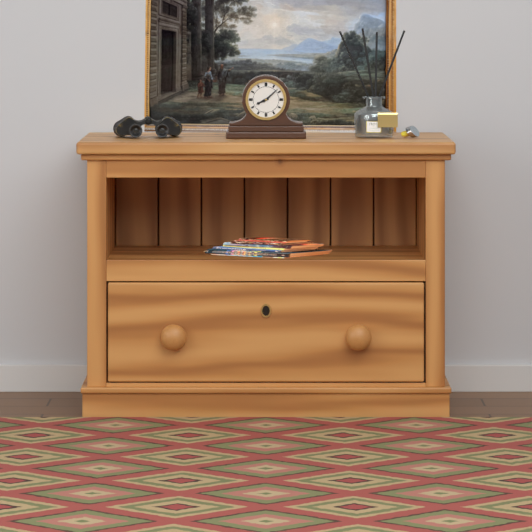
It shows 8h08
